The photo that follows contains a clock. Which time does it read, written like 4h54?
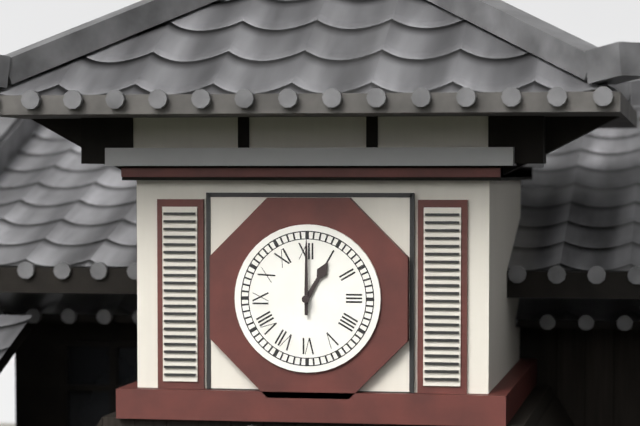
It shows 1h00
